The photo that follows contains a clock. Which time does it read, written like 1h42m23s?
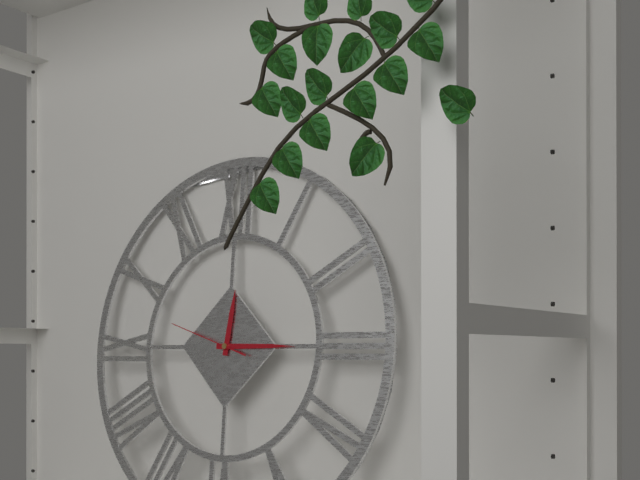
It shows 12h15m48s
